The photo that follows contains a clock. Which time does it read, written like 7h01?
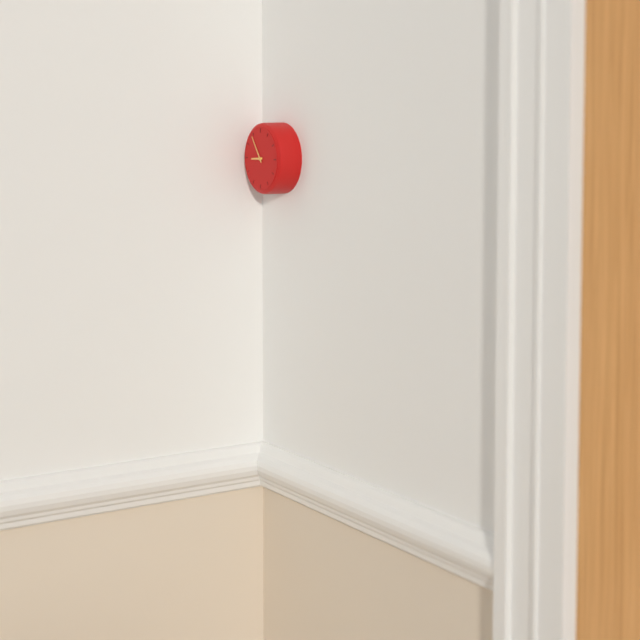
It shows 8h54
